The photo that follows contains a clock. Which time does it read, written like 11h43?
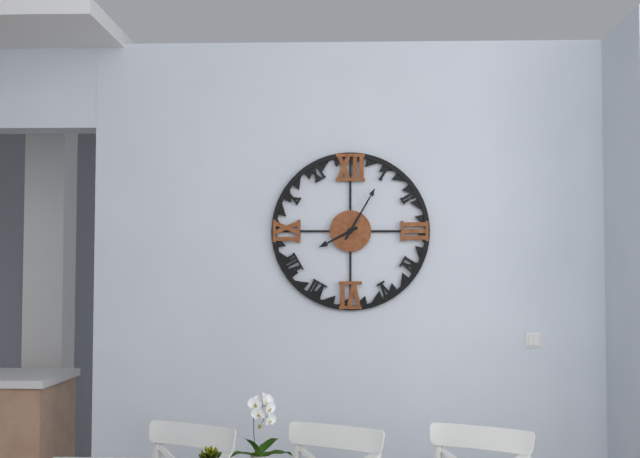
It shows 8h05
